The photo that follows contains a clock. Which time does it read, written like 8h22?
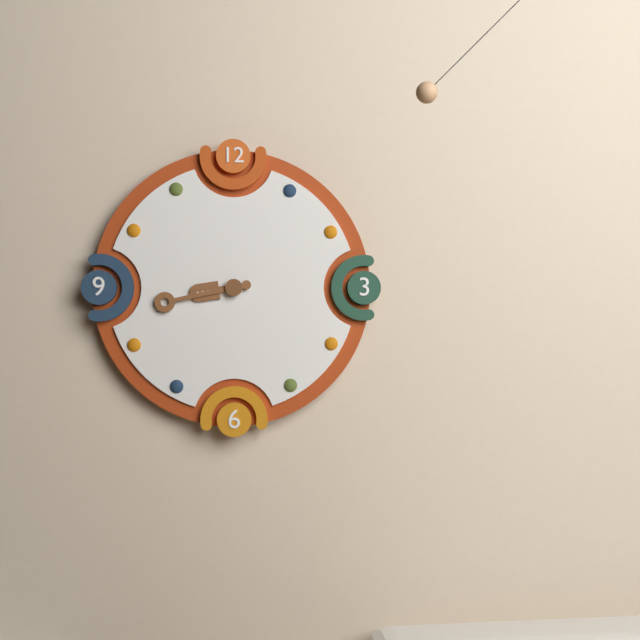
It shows 8h43
